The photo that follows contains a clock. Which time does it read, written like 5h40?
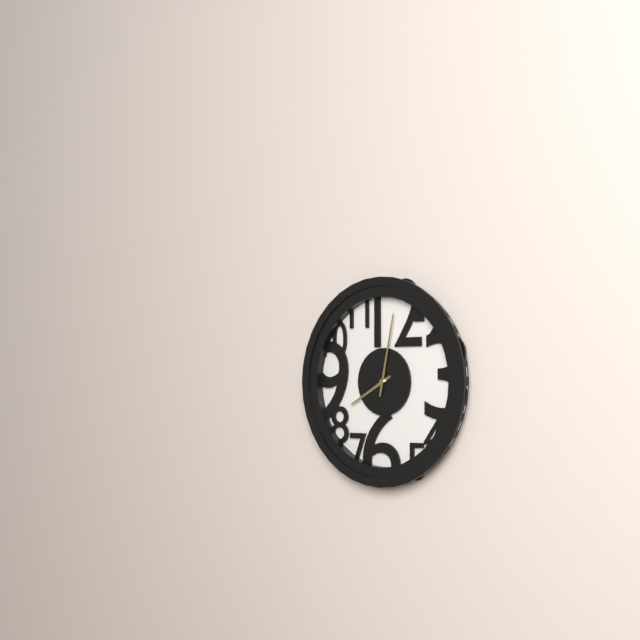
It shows 8h02
